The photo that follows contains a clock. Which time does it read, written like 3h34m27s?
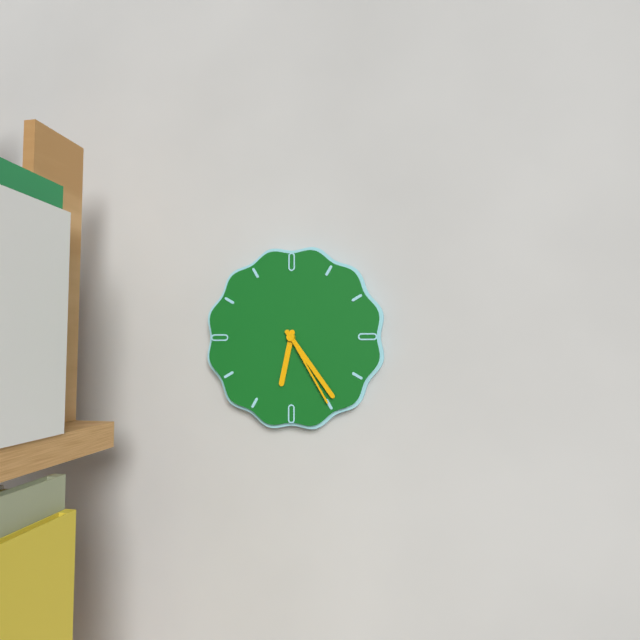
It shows 6h24m25s
